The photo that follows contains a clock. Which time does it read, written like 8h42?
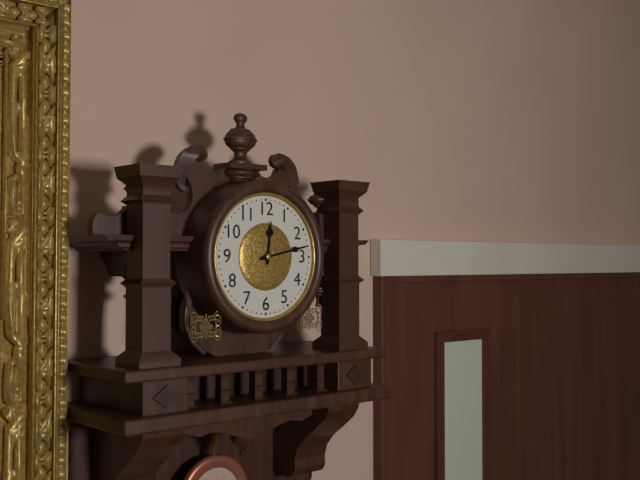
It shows 12h13
